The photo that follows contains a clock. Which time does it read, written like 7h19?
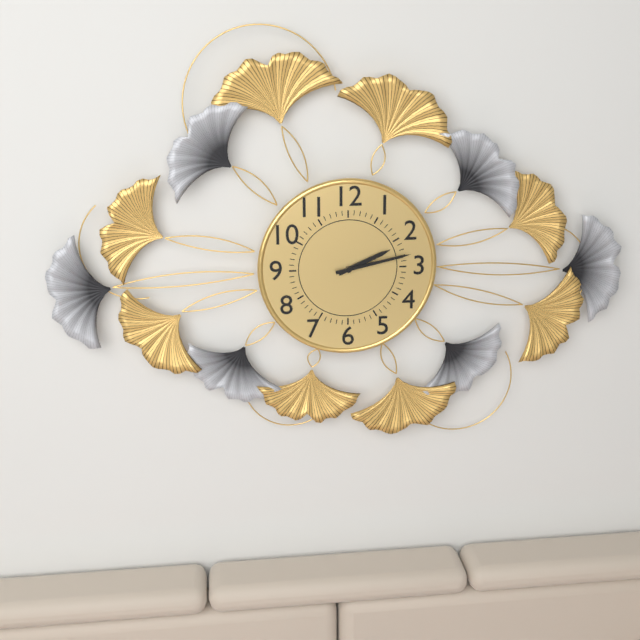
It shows 2h13
